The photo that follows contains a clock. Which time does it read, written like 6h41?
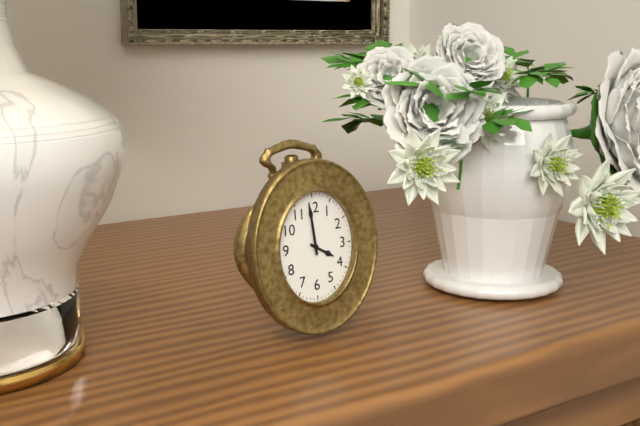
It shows 3h59
